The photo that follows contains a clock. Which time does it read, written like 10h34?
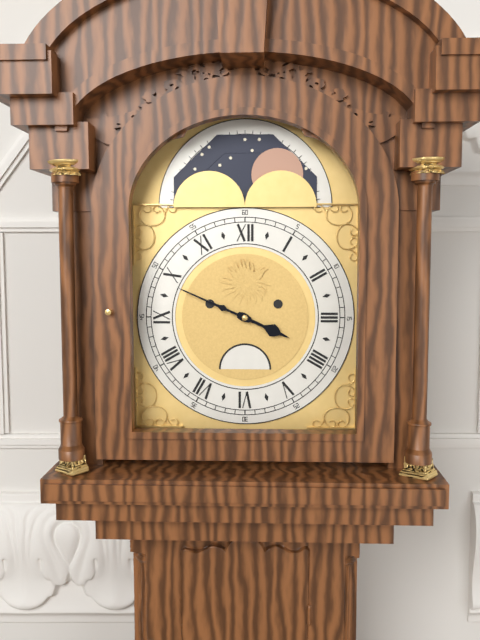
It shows 3h49
